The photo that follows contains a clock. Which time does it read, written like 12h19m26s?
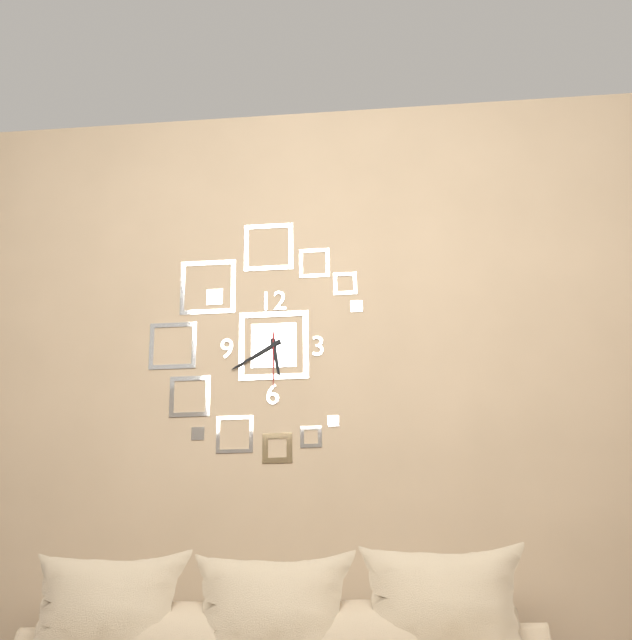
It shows 5h40m30s
